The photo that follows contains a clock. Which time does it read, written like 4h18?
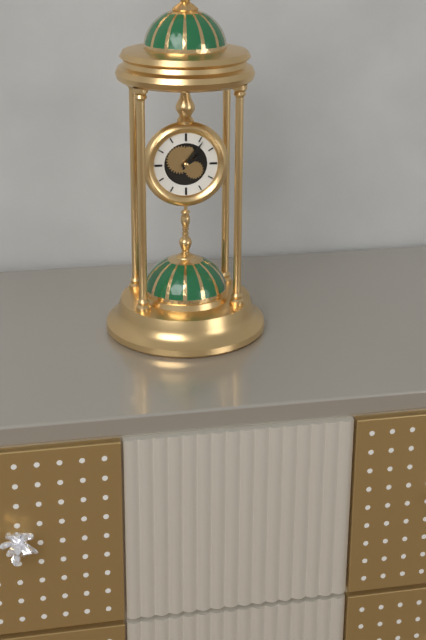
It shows 2h06
